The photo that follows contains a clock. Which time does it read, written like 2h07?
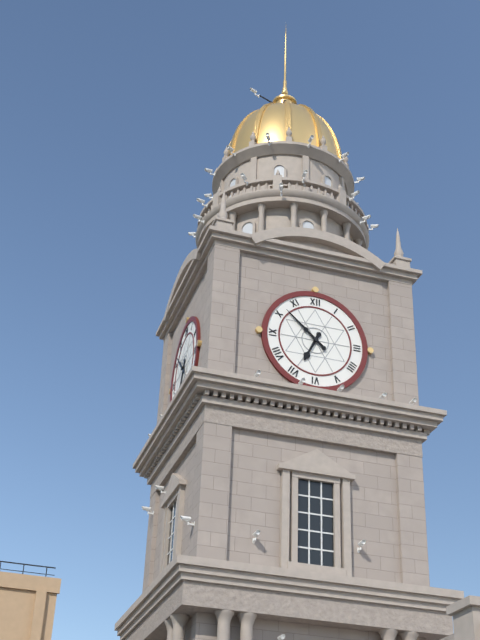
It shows 6h52
